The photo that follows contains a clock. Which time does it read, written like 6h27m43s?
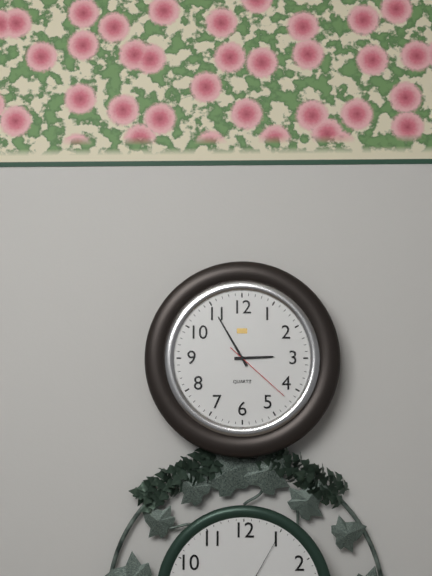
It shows 2h55m22s
